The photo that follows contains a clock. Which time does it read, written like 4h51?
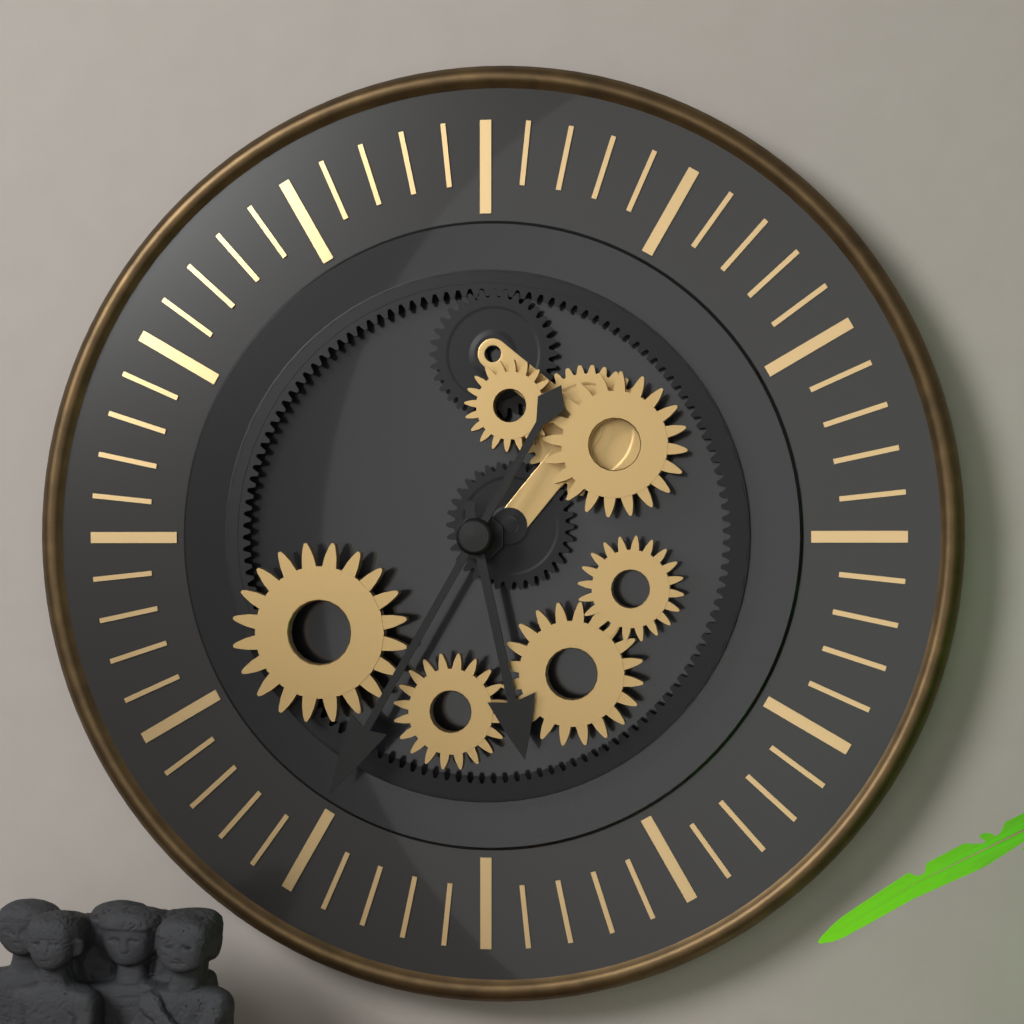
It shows 5h35
